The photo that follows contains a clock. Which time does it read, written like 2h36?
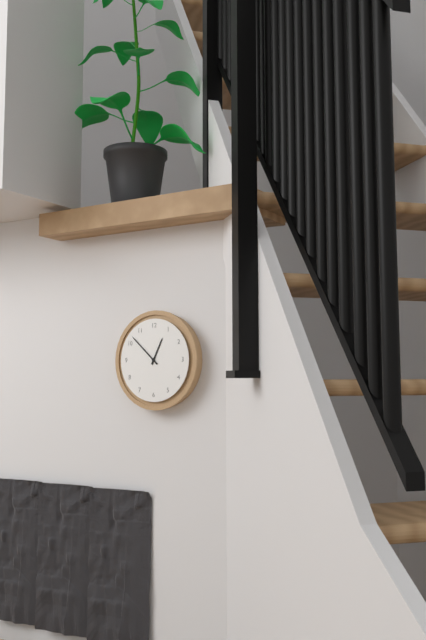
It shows 12h52
